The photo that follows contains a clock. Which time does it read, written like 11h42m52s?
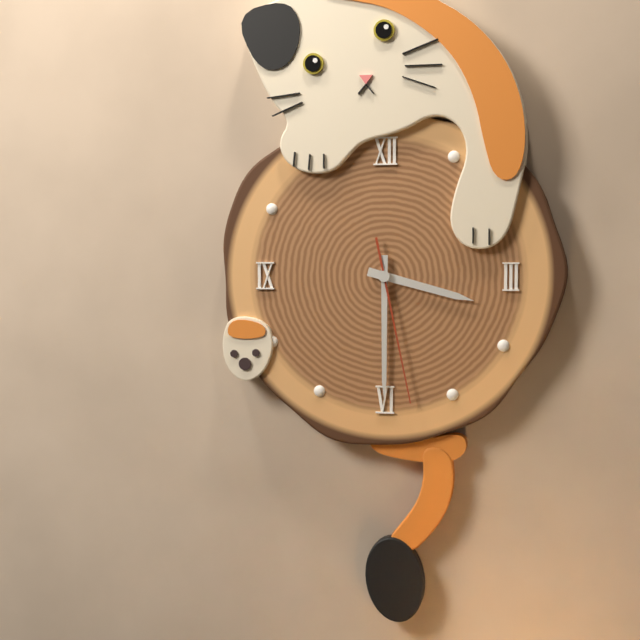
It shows 3h30m28s
